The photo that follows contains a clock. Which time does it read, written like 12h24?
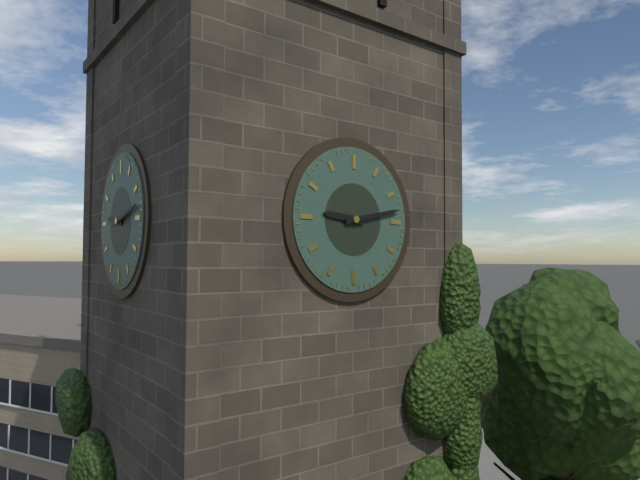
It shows 9h13
